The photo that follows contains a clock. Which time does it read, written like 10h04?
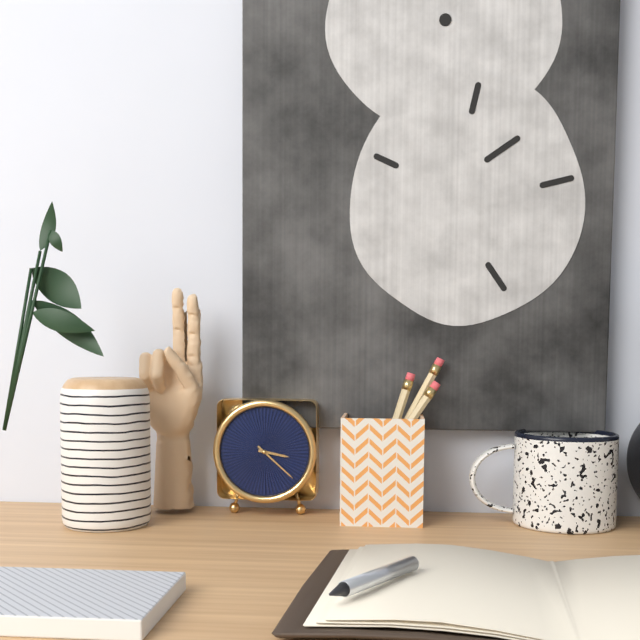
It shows 3h22
